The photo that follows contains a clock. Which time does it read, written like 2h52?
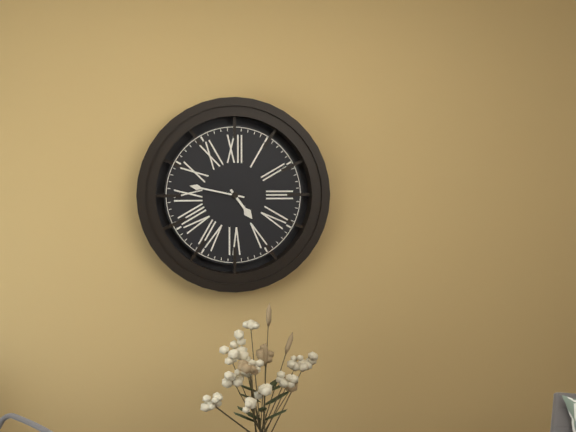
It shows 4h47
